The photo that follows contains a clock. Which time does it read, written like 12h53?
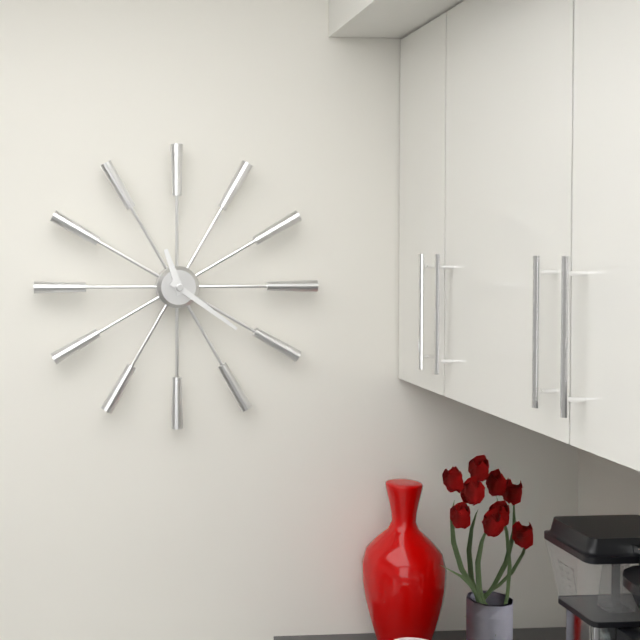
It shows 11h21
